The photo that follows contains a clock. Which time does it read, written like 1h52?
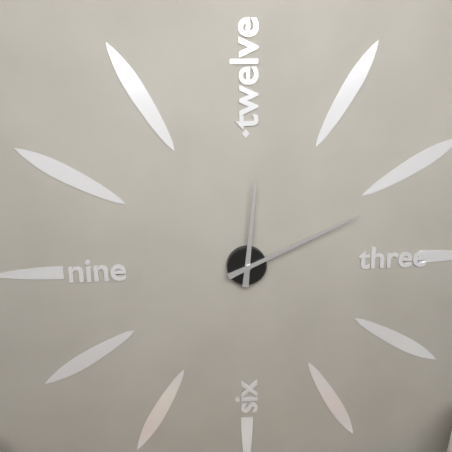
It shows 12h11
